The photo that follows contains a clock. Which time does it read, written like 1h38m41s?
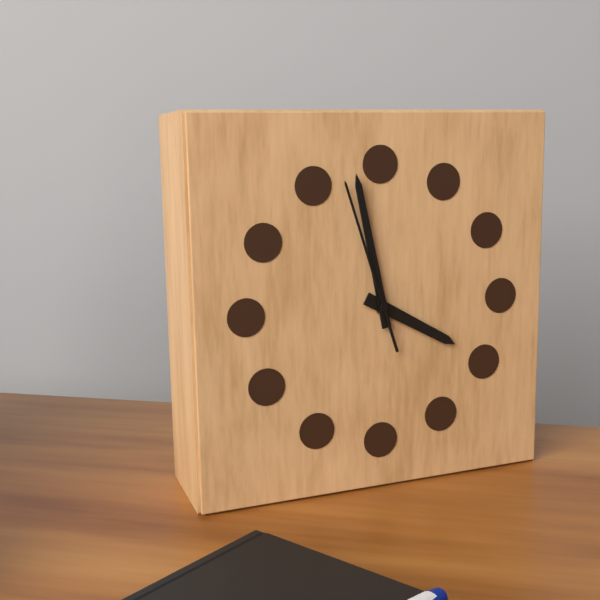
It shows 3h58m57s
